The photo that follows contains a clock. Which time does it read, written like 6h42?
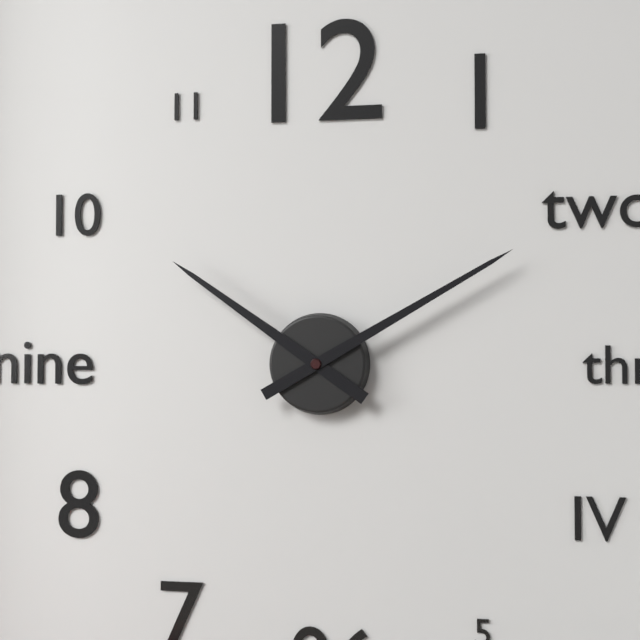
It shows 10h10
